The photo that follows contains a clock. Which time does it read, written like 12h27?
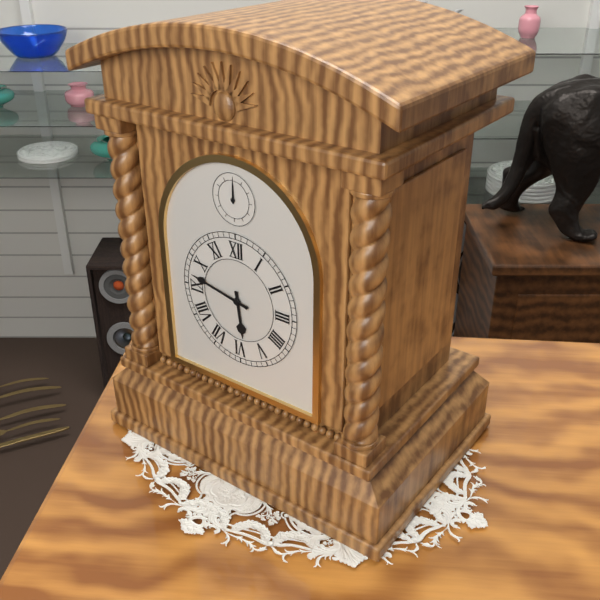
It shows 5h47
